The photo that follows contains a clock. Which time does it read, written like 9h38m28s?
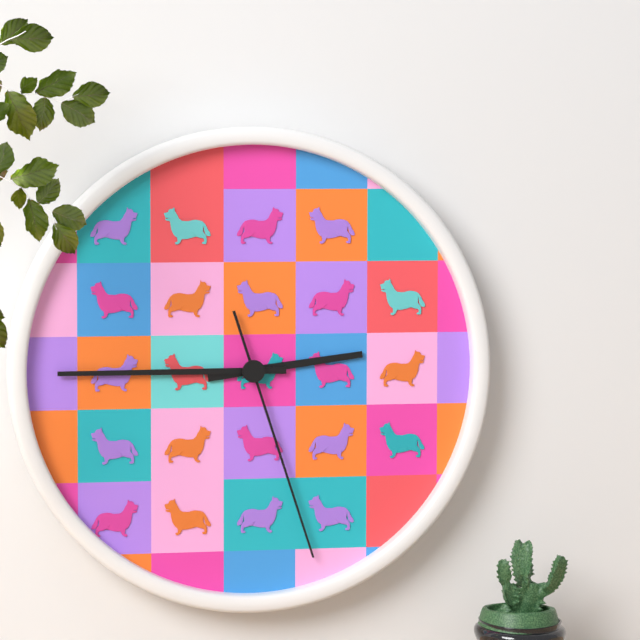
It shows 2h45m27s
